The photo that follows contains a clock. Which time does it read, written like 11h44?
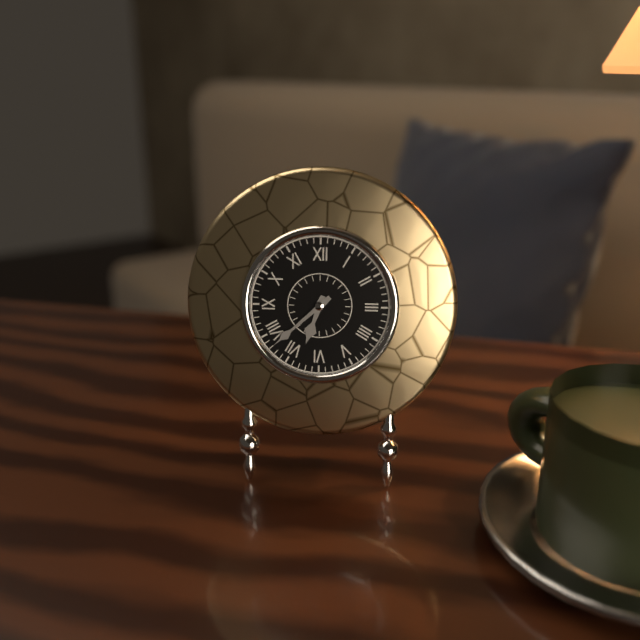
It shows 6h38
